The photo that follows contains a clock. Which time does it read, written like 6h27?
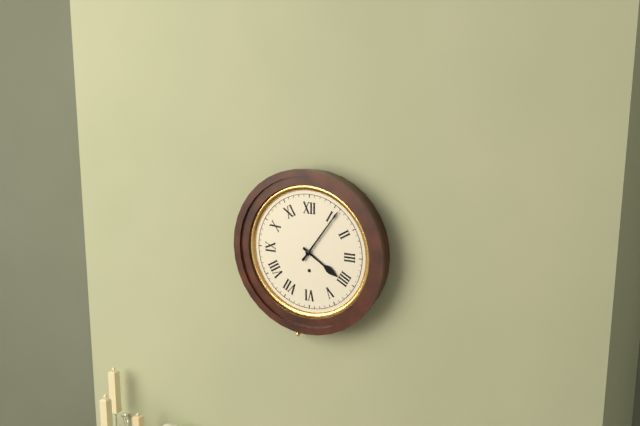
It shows 4h06
